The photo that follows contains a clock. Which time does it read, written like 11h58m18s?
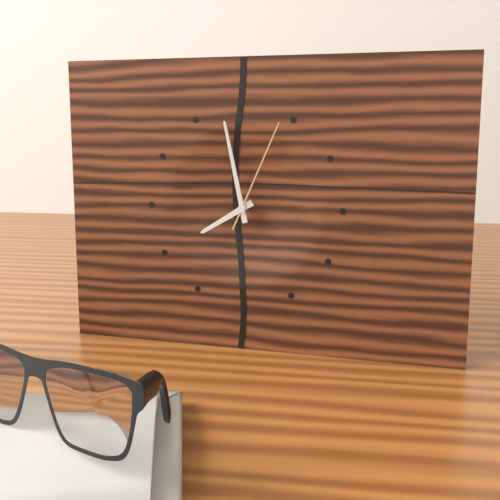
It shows 7h58m04s
